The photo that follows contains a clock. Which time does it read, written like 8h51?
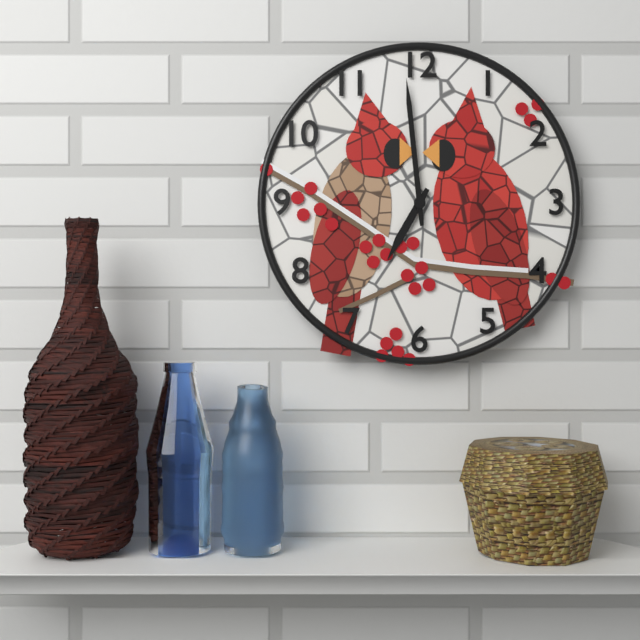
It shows 6h59
